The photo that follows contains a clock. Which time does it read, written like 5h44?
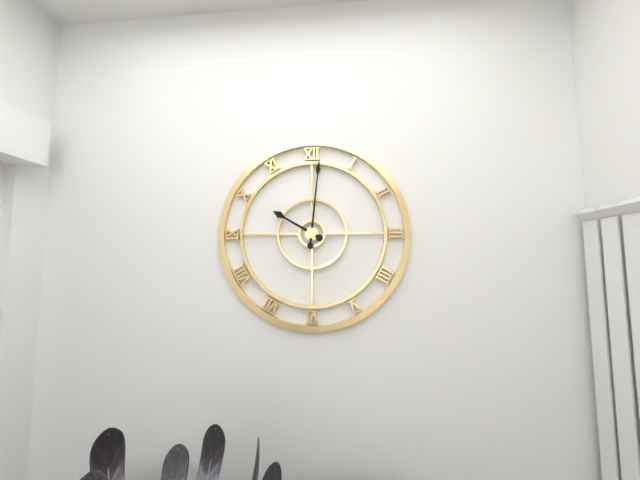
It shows 10h01
